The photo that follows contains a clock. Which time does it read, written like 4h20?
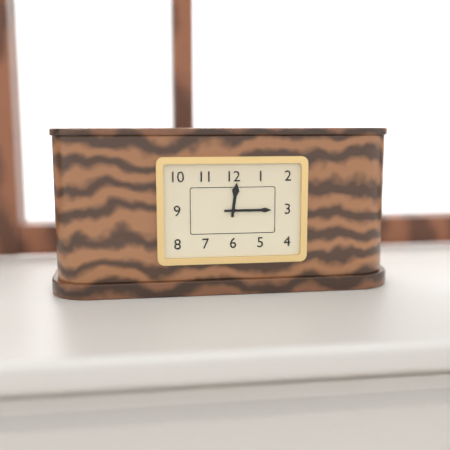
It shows 12h15
